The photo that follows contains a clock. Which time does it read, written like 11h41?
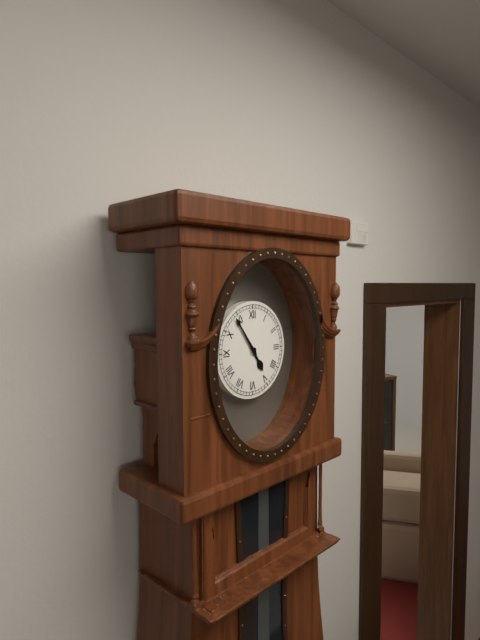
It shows 4h54
